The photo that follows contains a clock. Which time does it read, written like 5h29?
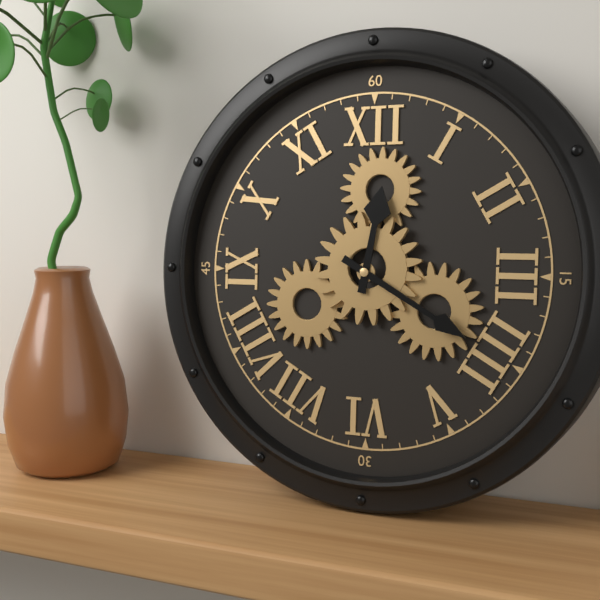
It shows 12h20
